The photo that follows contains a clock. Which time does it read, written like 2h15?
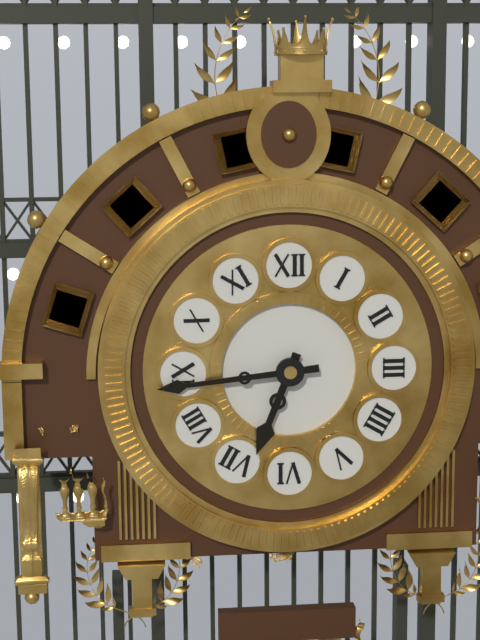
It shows 6h44
